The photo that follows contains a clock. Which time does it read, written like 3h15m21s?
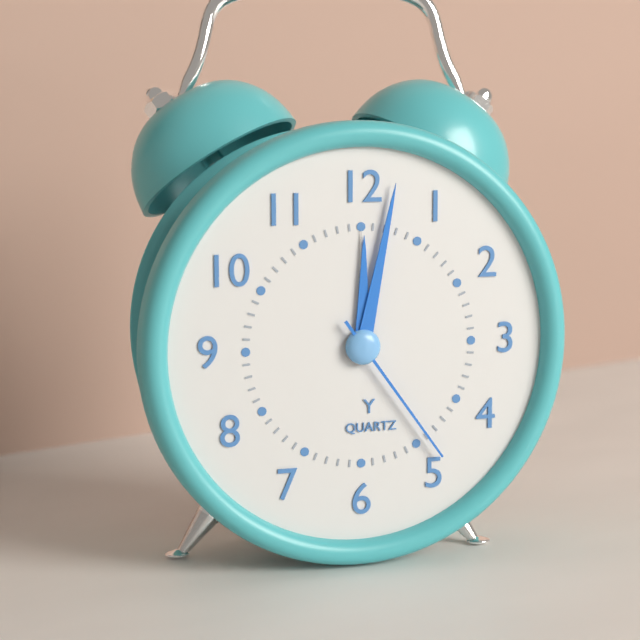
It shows 12h02m24s
